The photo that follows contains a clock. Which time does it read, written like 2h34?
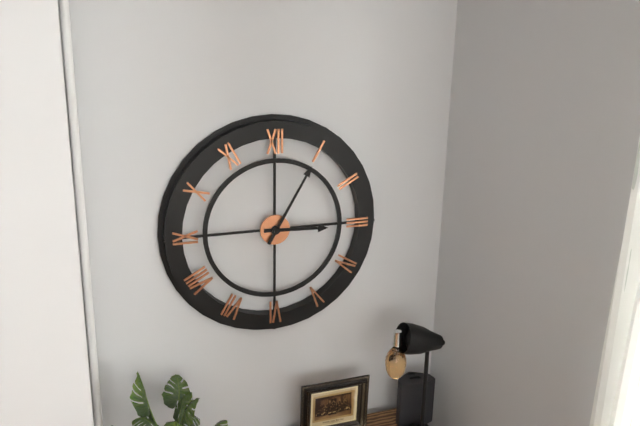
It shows 3h05
